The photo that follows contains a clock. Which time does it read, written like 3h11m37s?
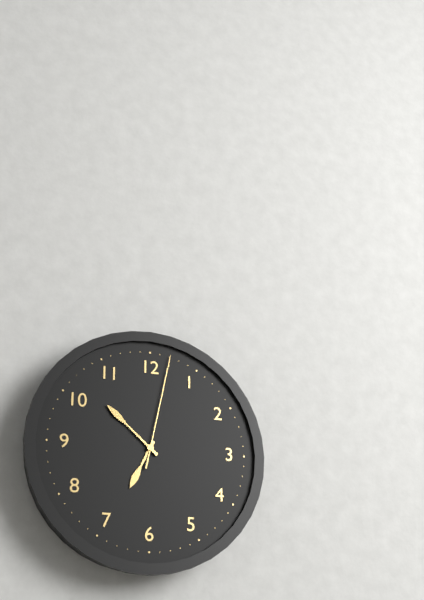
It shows 6h52m02s
